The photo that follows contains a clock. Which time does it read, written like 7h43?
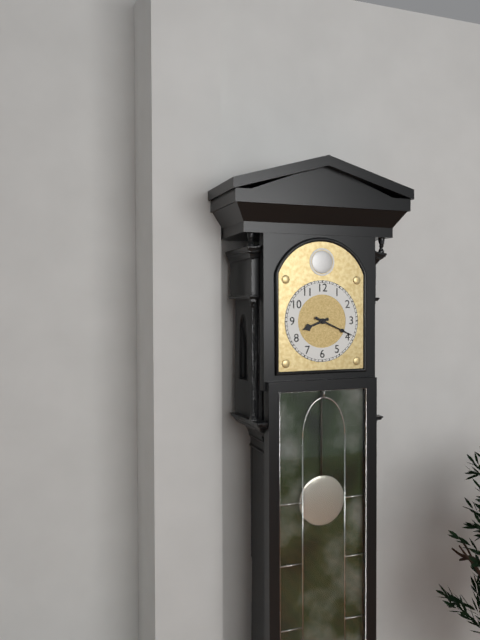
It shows 8h19
